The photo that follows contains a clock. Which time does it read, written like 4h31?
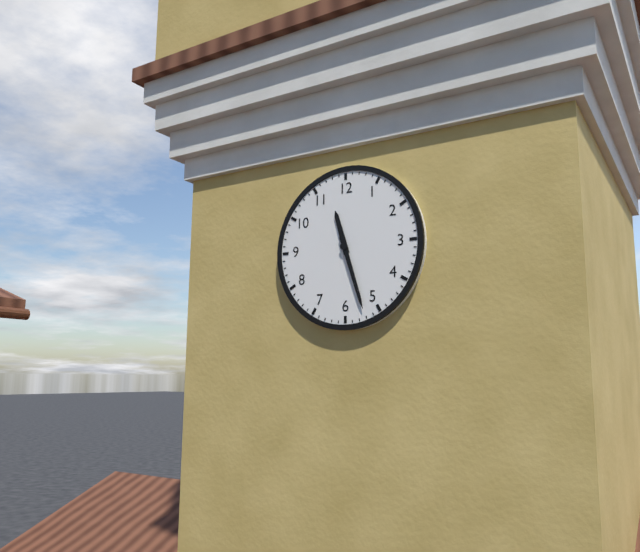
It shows 11h27
